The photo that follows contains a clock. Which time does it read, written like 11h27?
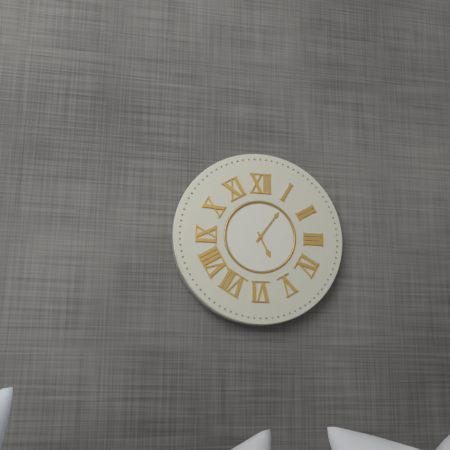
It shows 5h06
